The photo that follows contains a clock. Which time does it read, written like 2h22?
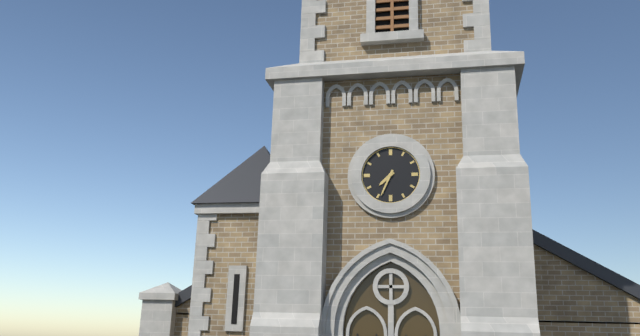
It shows 7h34
